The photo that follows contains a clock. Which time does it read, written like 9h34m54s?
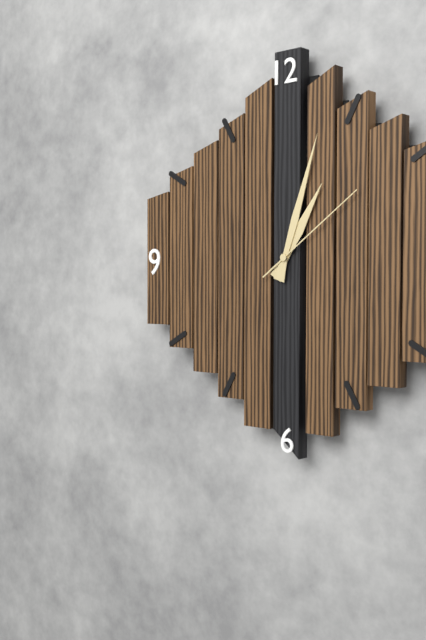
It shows 1h03m09s
